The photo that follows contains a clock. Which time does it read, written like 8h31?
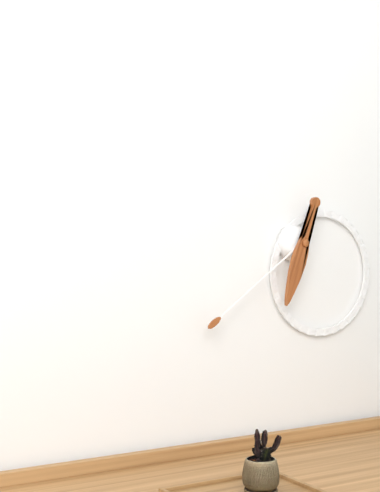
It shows 6h39
